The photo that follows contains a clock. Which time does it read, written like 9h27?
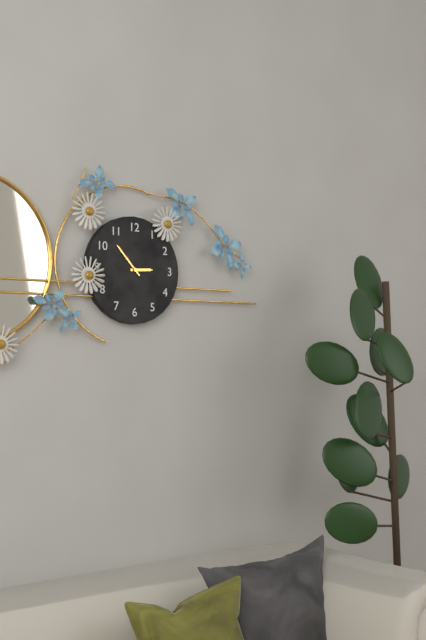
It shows 2h53
